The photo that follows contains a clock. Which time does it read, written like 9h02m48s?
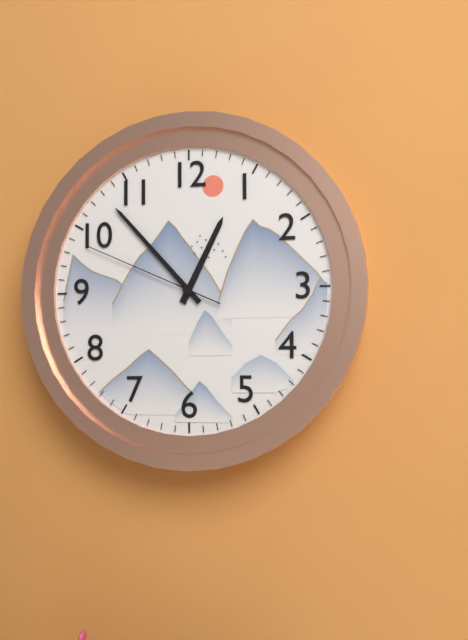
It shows 12h53m49s
